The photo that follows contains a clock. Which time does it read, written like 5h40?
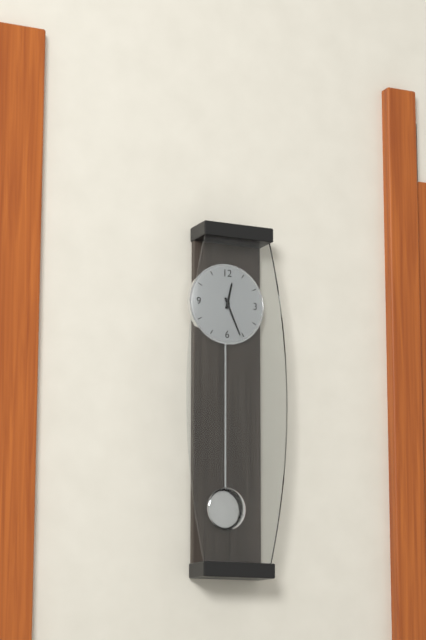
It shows 12h26
